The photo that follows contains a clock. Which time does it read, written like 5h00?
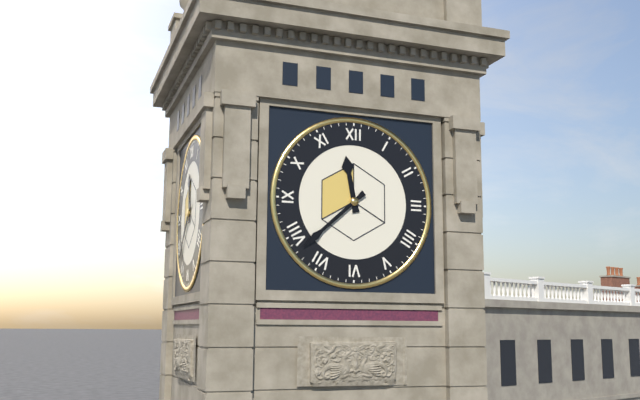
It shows 11h38
